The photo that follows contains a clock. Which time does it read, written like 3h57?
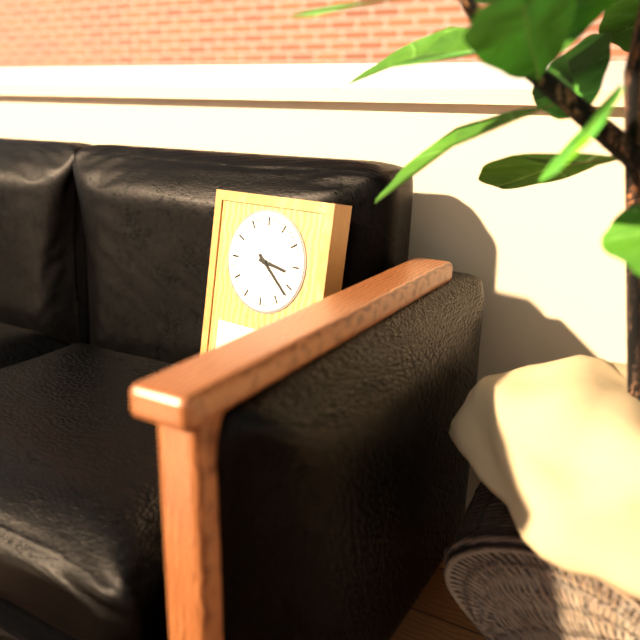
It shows 3h22
